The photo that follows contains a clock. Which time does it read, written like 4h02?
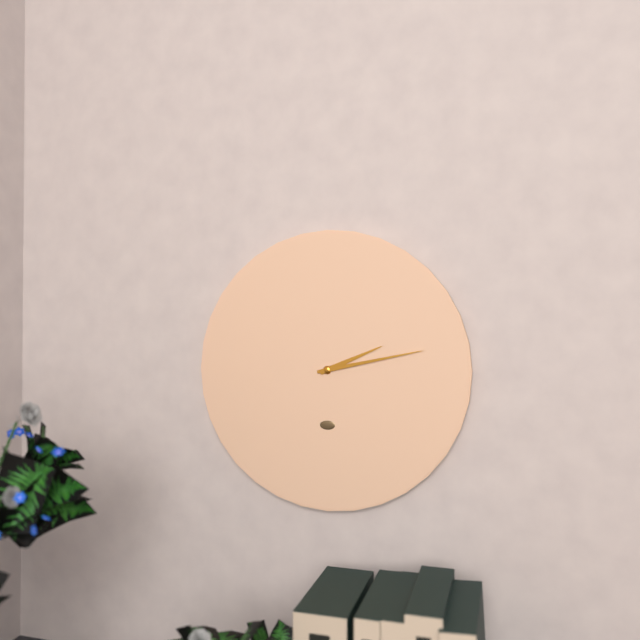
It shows 2h13
